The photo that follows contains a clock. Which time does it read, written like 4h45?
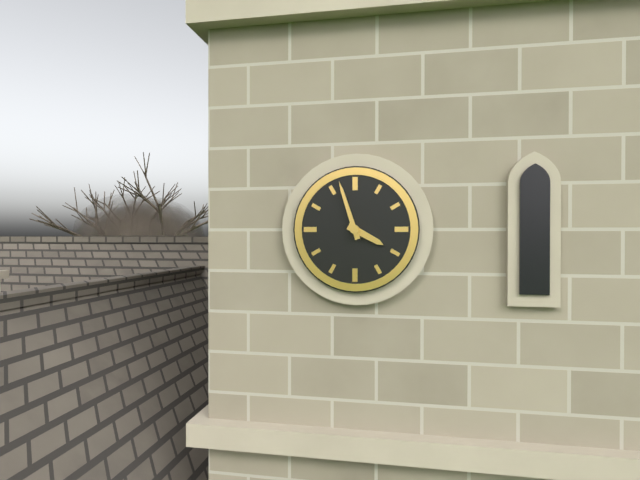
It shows 3h57
